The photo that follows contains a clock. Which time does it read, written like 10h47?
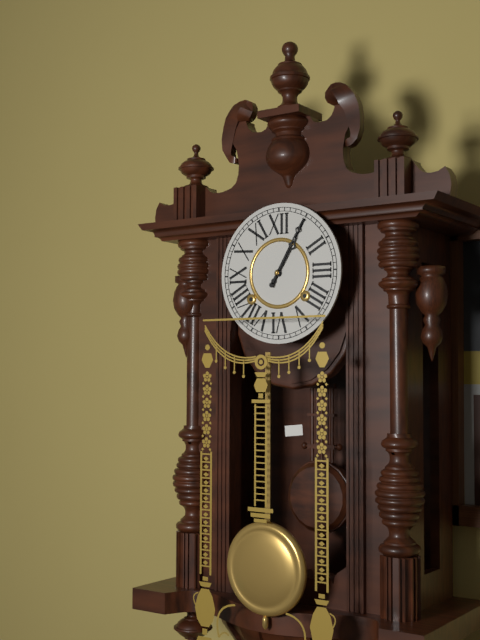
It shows 1h05
